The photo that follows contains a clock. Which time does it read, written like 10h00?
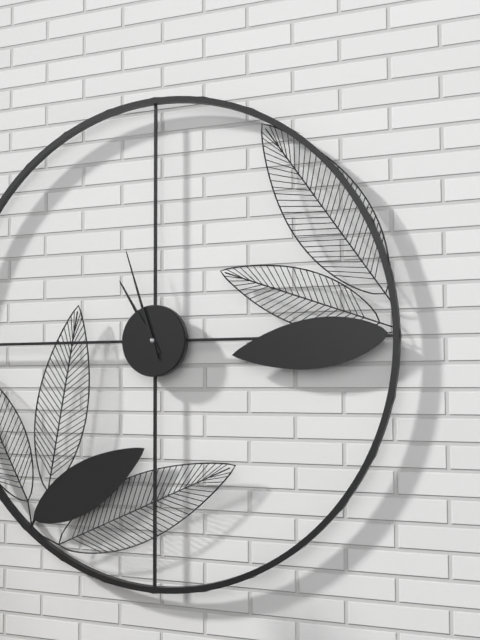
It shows 10h57
